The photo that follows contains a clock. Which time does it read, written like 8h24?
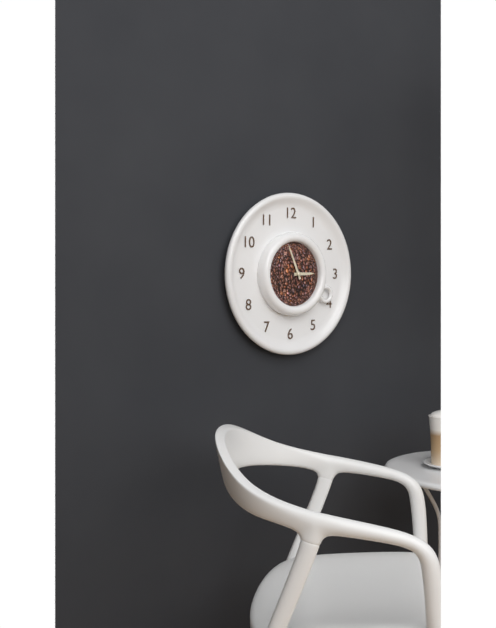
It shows 2h56
